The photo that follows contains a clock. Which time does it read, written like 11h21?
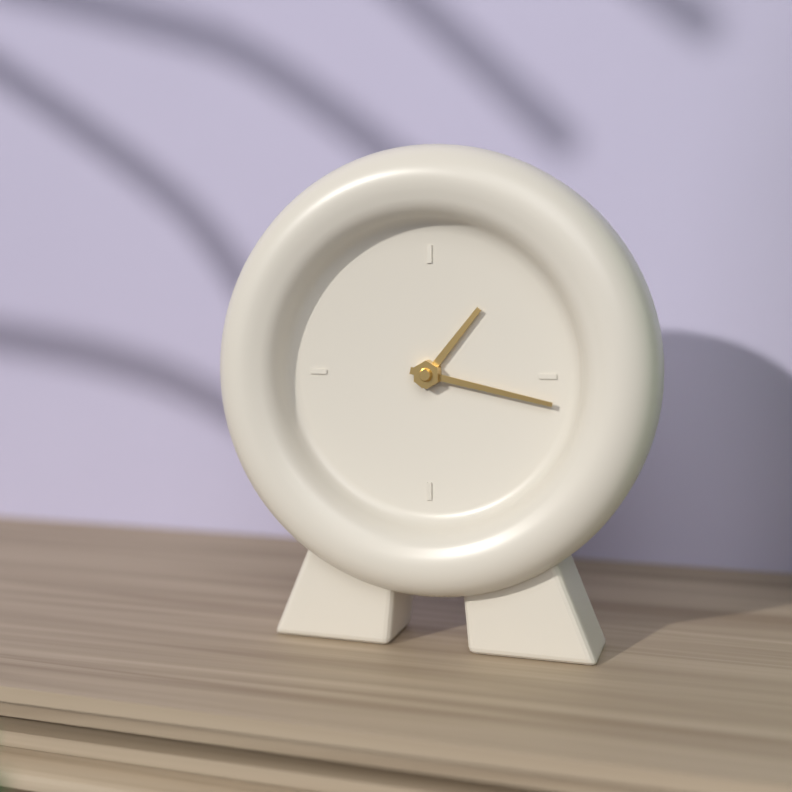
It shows 1h17
